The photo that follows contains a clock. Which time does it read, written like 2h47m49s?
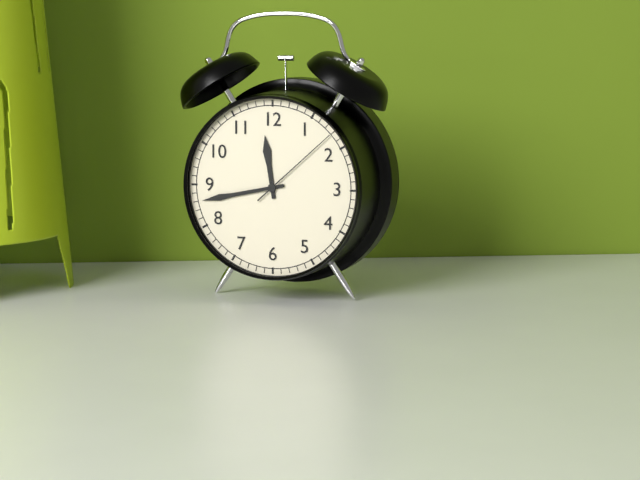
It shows 11h43m08s
